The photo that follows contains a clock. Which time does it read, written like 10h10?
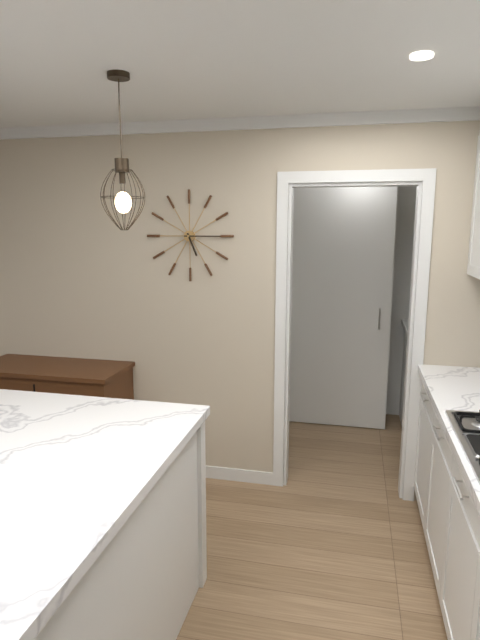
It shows 5h15
